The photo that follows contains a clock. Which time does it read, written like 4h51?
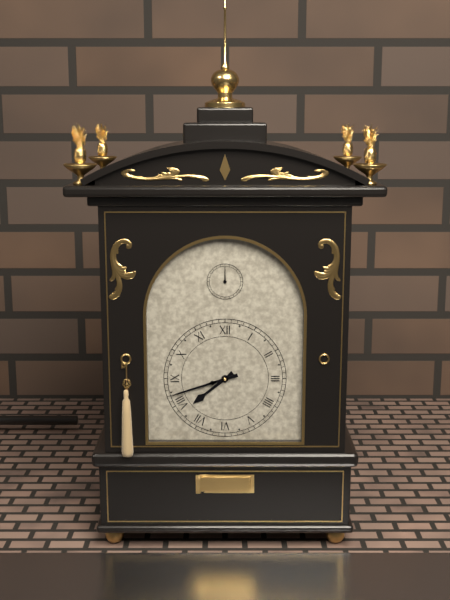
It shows 7h42
